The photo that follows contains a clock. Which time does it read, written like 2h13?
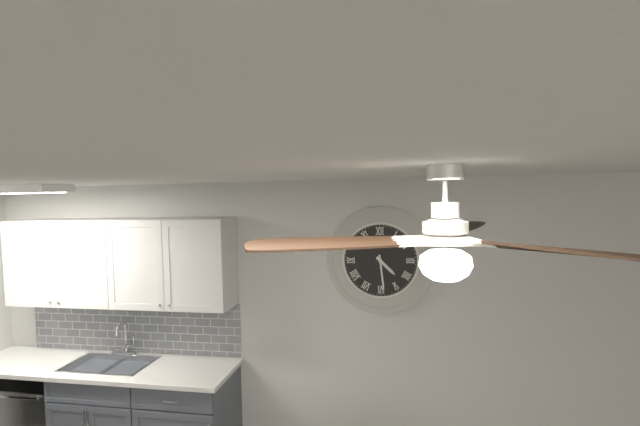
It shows 4h29
